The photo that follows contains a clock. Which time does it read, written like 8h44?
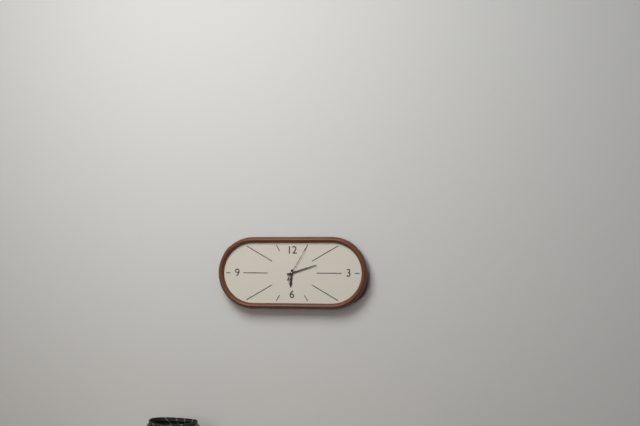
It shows 6h12
